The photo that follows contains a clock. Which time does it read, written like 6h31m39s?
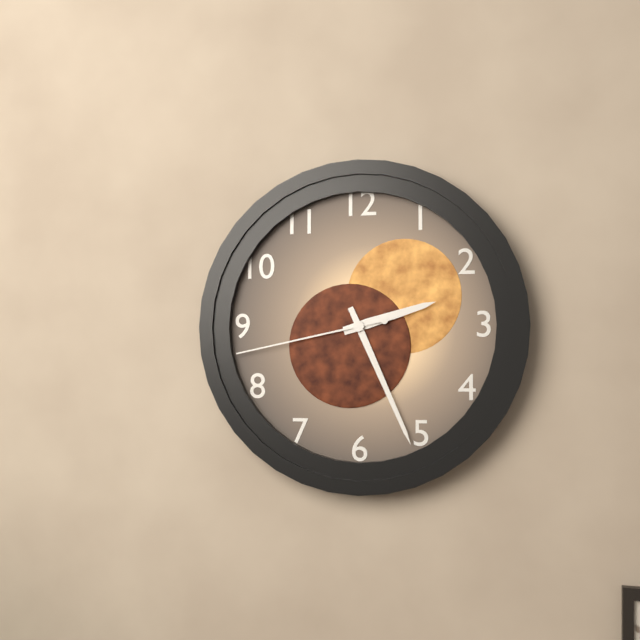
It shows 2h26m43s
